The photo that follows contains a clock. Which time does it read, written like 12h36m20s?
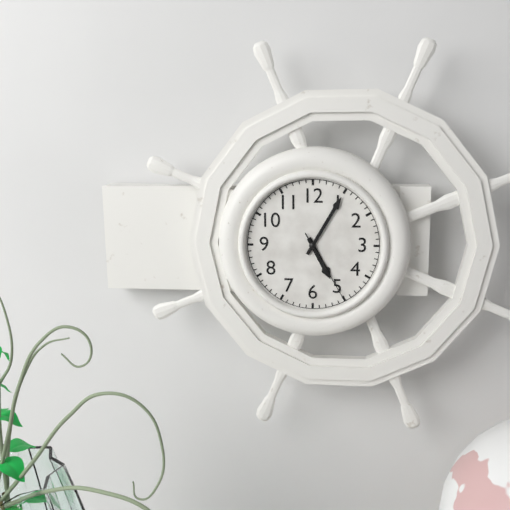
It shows 5h05m25s
